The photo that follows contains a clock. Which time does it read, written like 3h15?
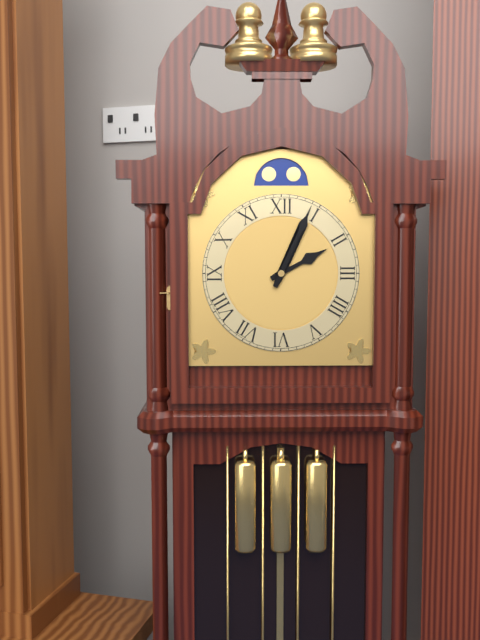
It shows 2h04
